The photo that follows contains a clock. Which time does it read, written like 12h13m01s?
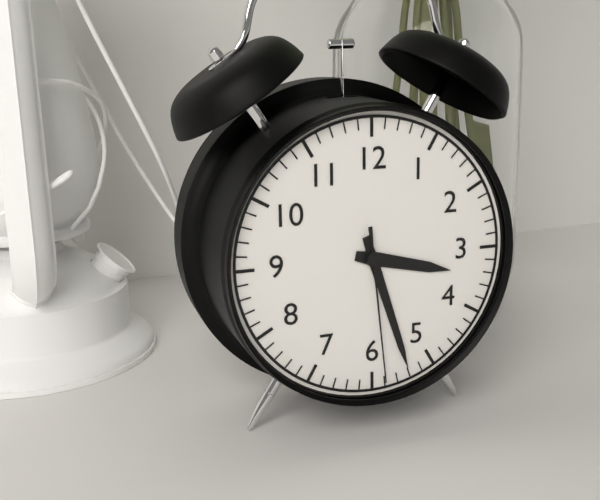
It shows 3h27m29s
